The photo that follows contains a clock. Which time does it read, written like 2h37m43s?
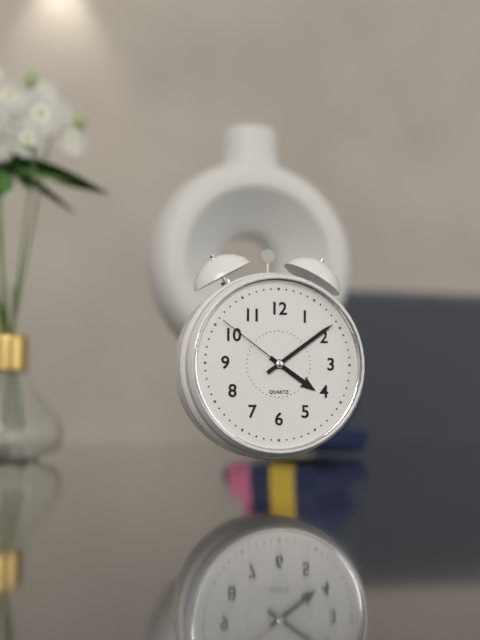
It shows 4h09m51s
